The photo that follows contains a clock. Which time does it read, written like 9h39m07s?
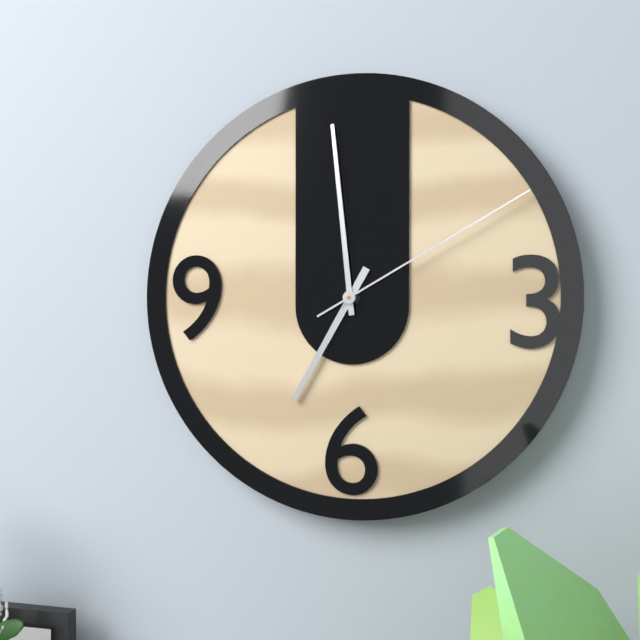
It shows 6h59m10s
